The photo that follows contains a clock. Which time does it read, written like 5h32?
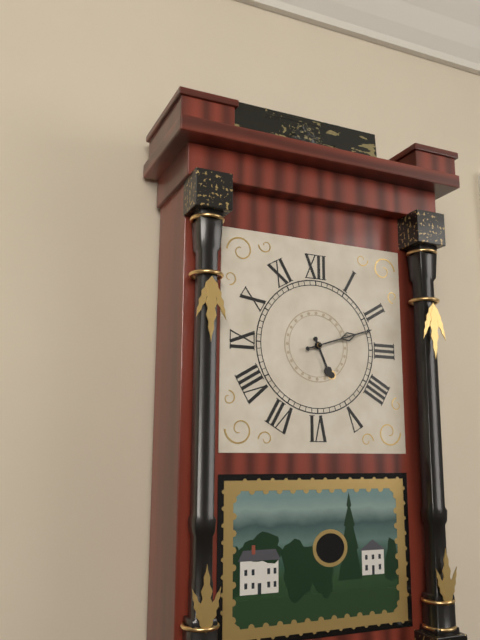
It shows 5h12
